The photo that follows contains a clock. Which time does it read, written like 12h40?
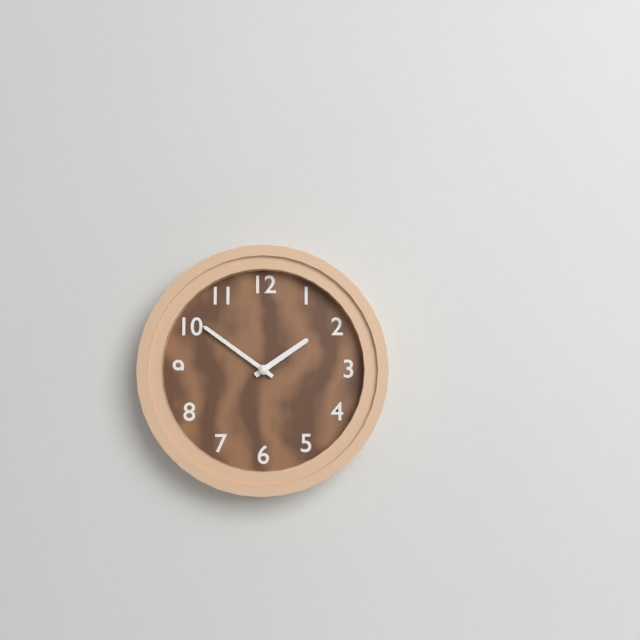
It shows 1h51
